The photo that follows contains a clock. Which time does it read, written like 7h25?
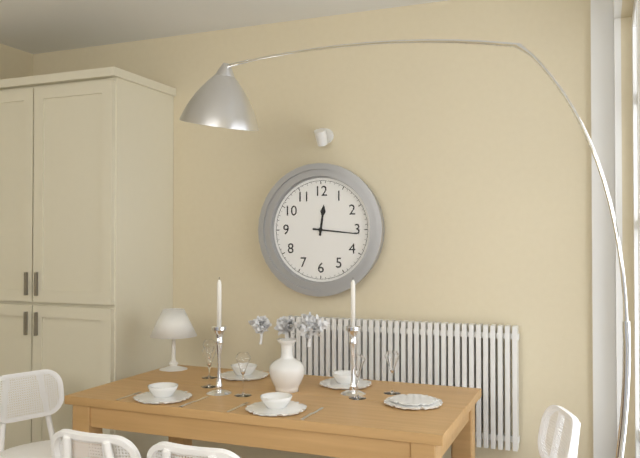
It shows 12h16
